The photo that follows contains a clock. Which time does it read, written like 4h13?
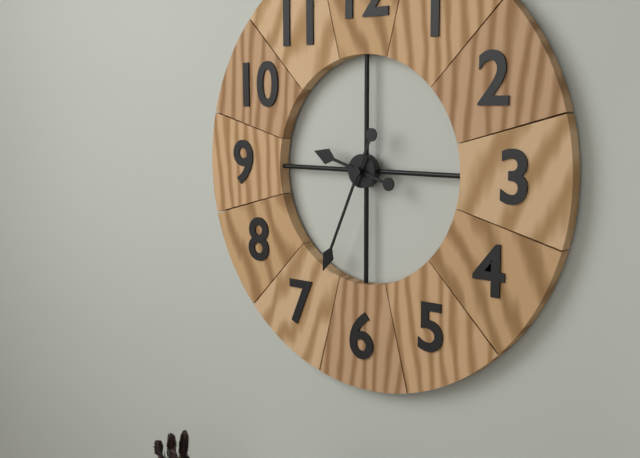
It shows 9h34
